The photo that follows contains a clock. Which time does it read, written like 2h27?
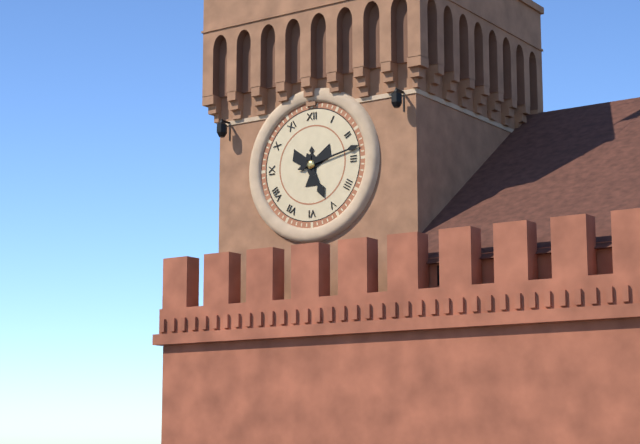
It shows 5h13
